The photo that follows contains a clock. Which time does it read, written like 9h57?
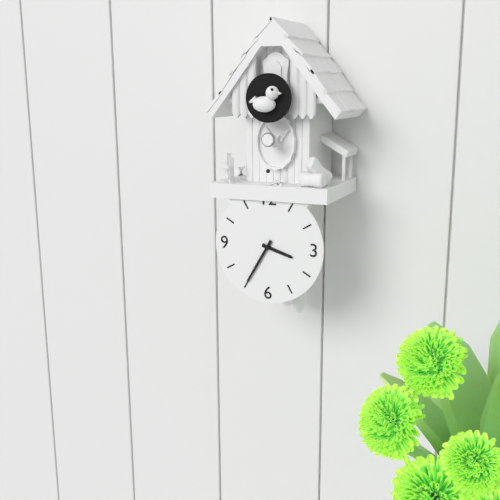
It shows 3h35
